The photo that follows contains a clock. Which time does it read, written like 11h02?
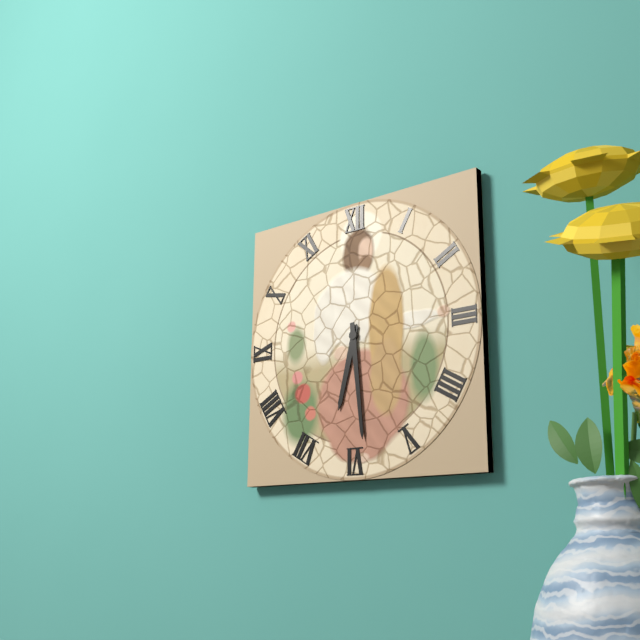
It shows 6h29
